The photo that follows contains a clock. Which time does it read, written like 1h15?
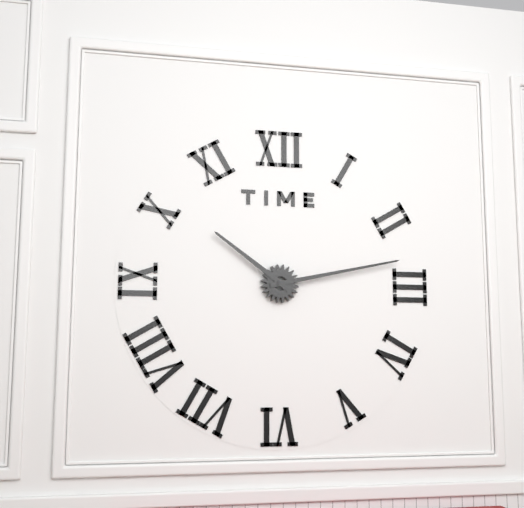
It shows 10h13
